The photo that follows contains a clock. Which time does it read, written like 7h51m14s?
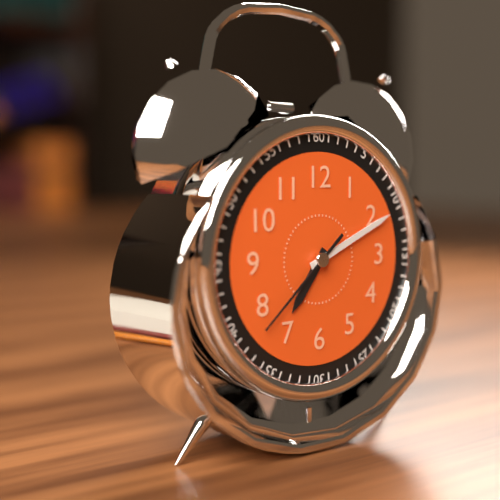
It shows 7h11m38s
